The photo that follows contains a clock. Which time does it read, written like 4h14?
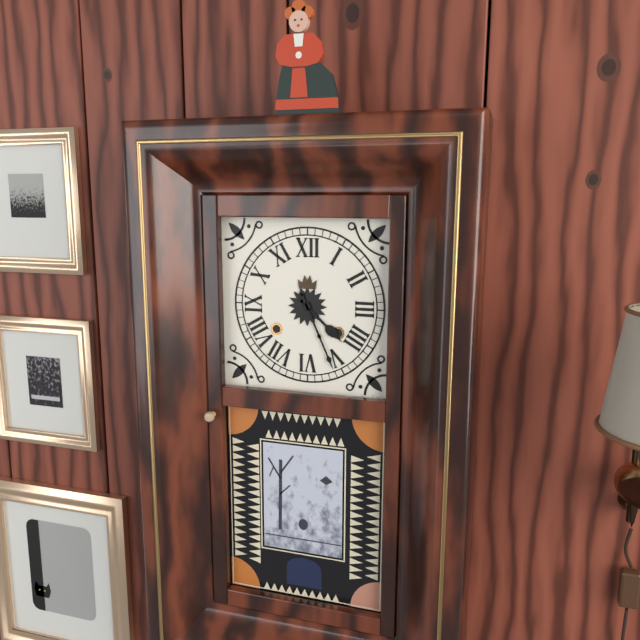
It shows 4h26
